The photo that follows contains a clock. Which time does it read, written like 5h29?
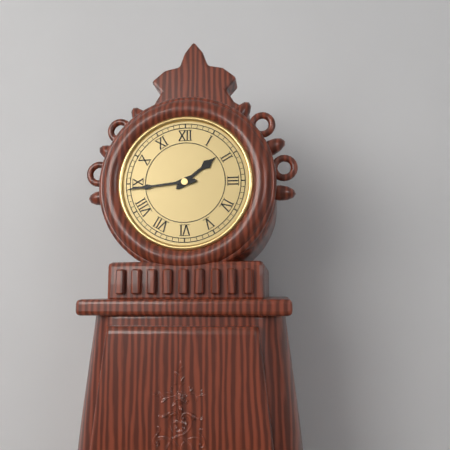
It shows 1h44
